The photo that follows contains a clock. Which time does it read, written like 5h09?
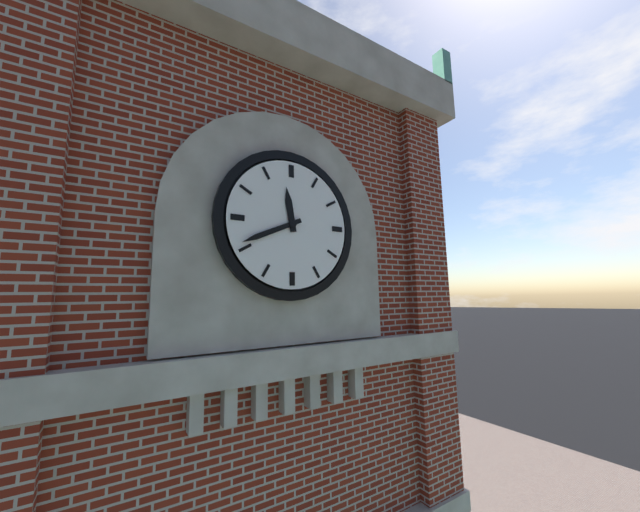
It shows 11h41
